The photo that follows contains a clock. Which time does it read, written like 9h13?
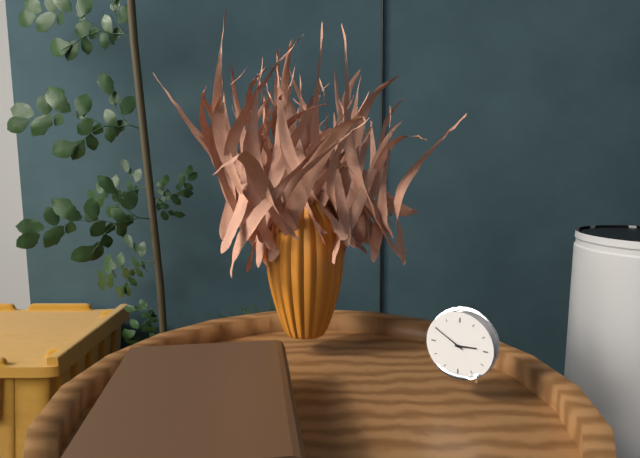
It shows 2h50
